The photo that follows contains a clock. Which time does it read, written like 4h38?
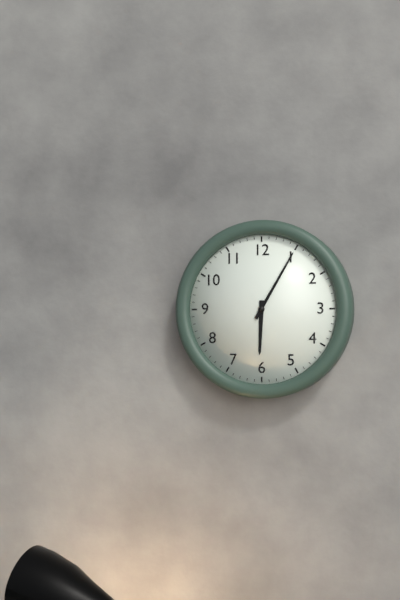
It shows 6h05
